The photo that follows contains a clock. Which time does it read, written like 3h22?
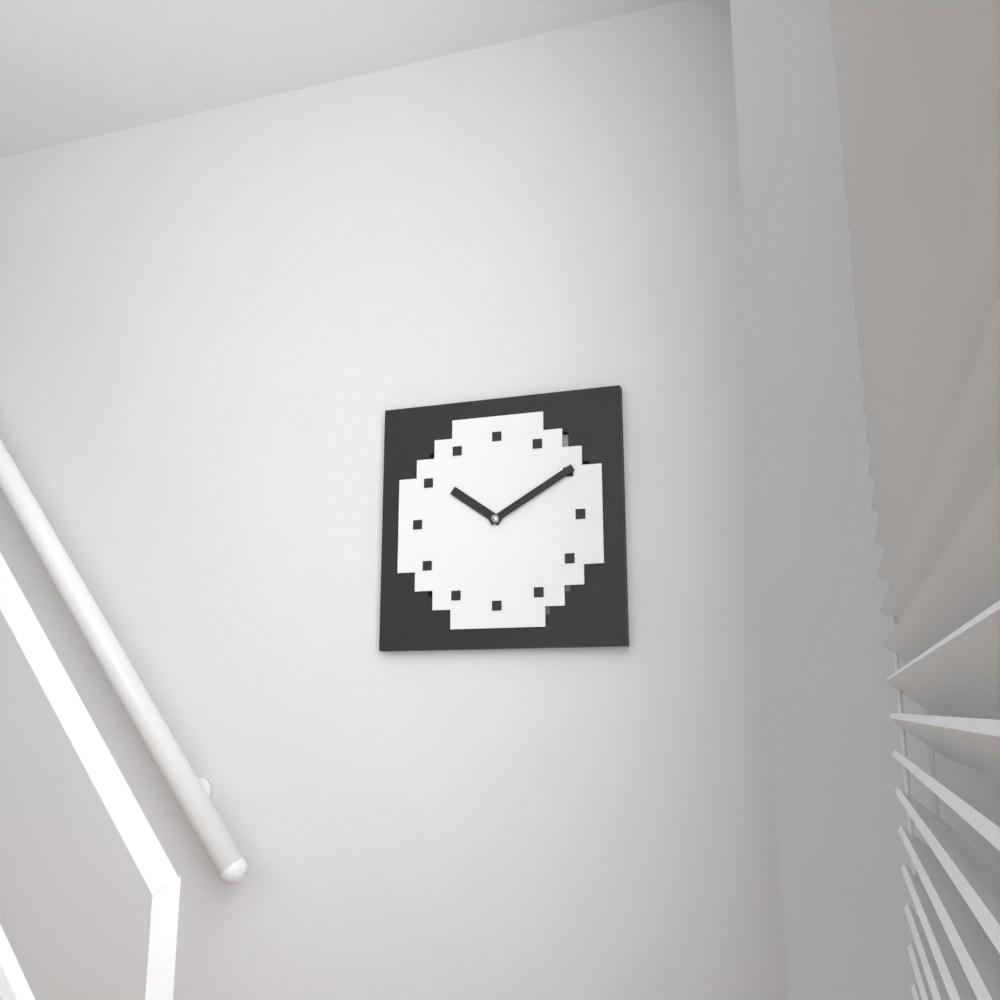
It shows 10h10
